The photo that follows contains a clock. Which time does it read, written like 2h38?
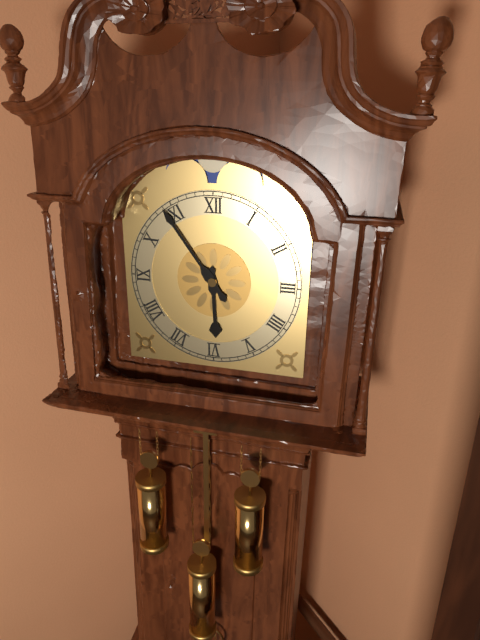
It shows 5h54
